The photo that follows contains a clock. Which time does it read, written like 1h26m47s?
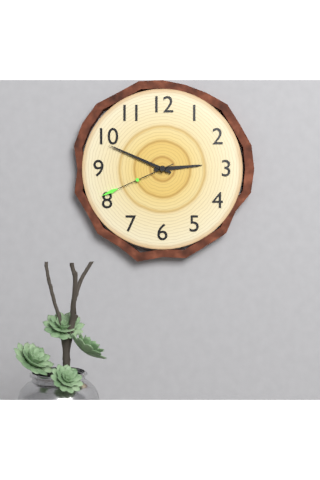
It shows 2h49m41s
